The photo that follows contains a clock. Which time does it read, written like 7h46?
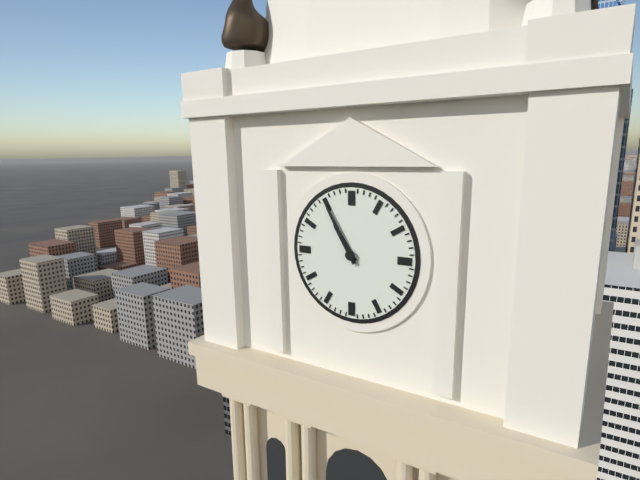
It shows 10h55
